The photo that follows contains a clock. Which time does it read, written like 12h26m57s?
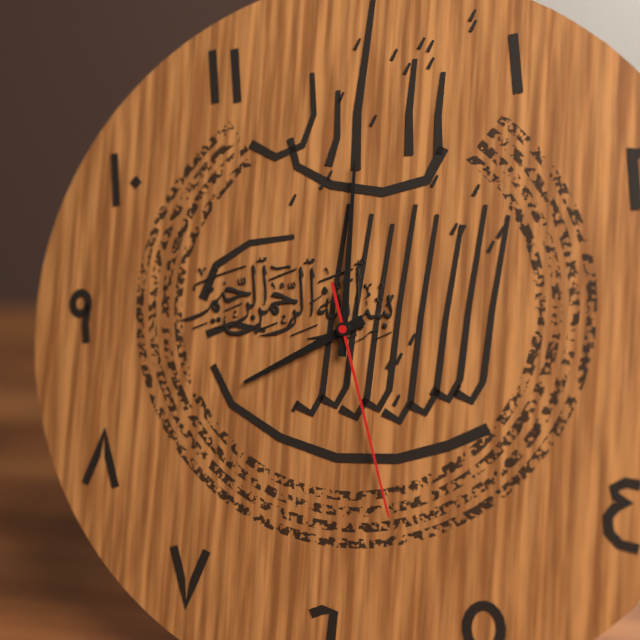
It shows 8h00m27s
